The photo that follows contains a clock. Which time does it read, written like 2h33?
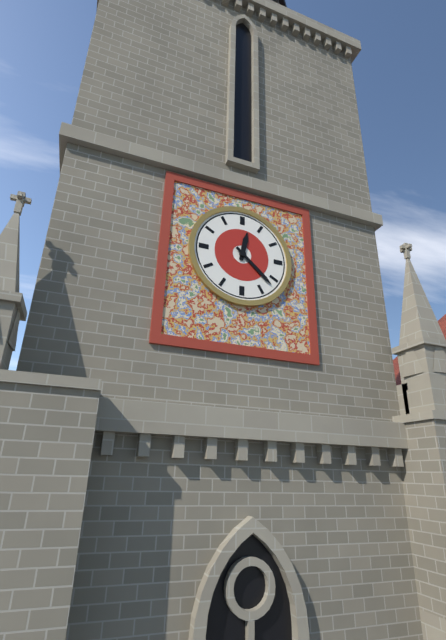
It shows 12h22
